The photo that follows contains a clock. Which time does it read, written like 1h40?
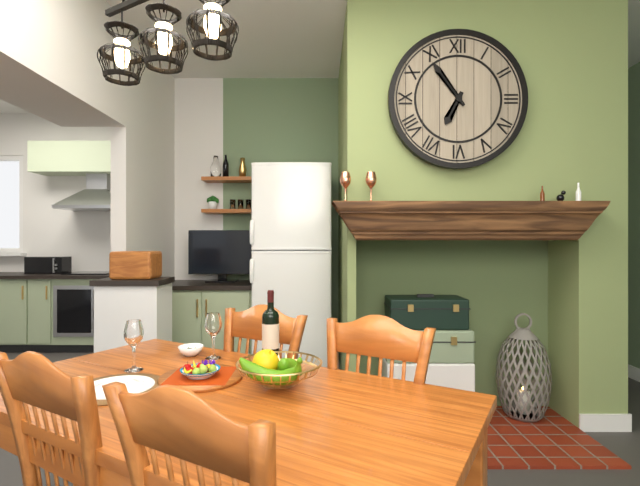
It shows 6h54
